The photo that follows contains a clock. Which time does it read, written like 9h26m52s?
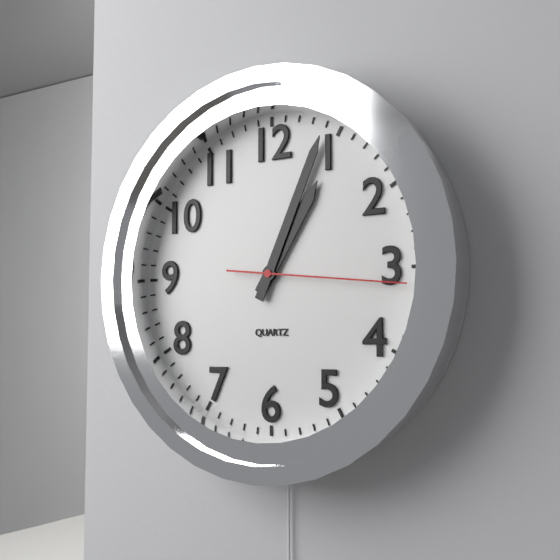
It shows 1h04m16s
